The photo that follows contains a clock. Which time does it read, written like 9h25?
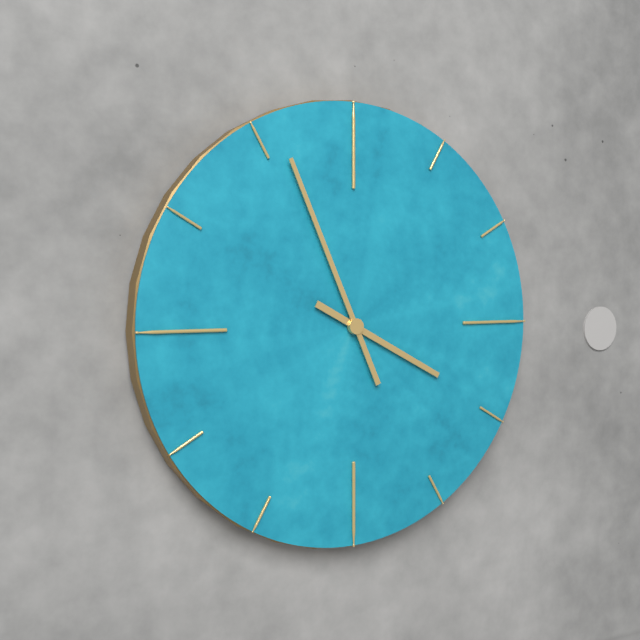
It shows 3h56
